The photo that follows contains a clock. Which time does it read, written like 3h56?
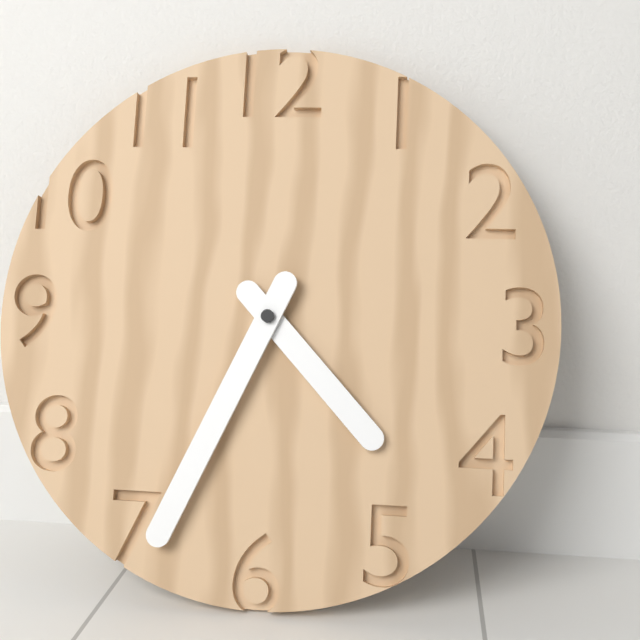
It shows 4h34
